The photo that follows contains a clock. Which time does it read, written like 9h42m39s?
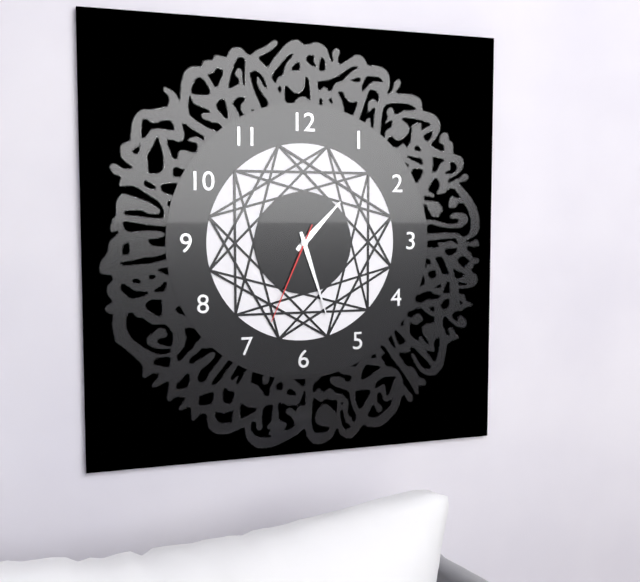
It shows 1h27m34s
